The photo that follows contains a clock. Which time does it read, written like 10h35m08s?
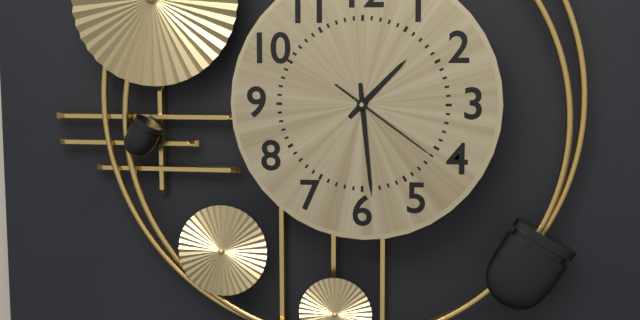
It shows 1h29m21s
